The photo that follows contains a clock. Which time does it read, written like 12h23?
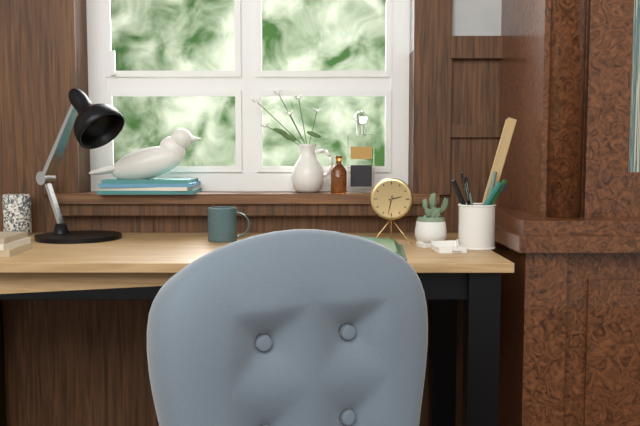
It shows 2h32
